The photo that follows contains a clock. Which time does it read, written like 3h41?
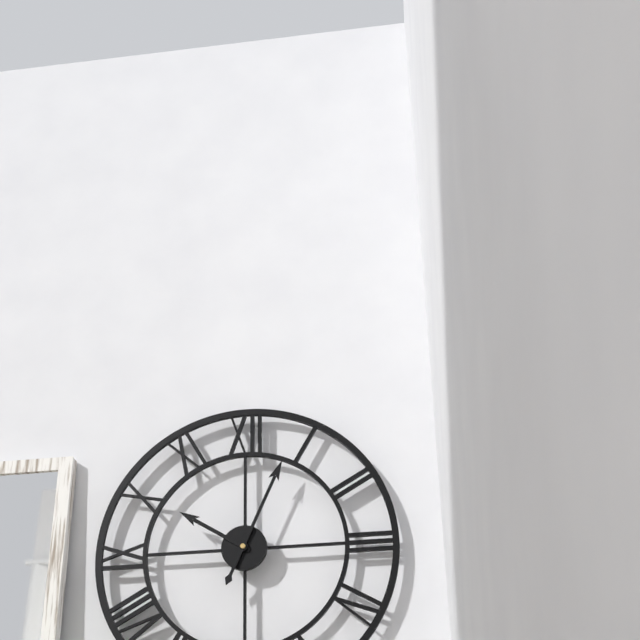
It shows 10h04
